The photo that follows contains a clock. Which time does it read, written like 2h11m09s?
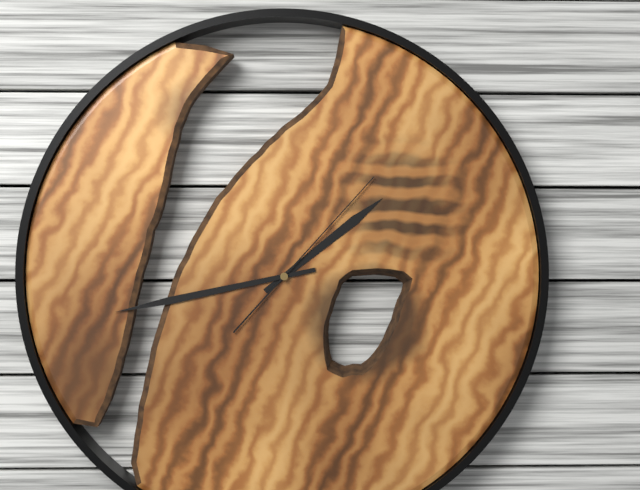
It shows 1h43m07s
